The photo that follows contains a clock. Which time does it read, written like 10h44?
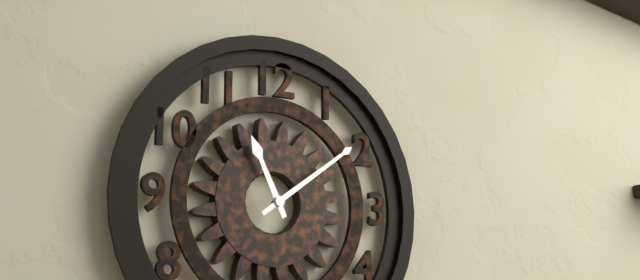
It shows 11h09
